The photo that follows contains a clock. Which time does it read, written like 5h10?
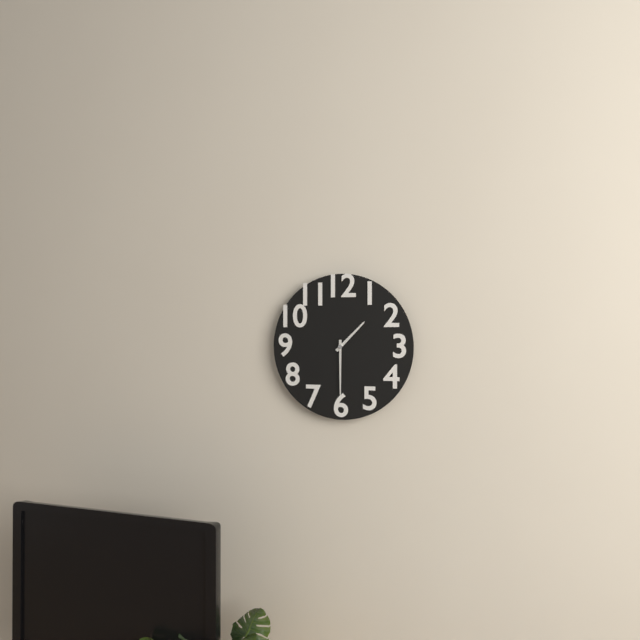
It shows 1h30
